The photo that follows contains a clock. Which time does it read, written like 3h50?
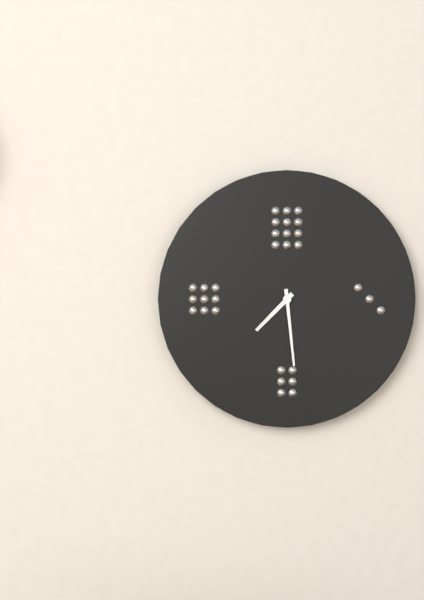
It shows 7h29
